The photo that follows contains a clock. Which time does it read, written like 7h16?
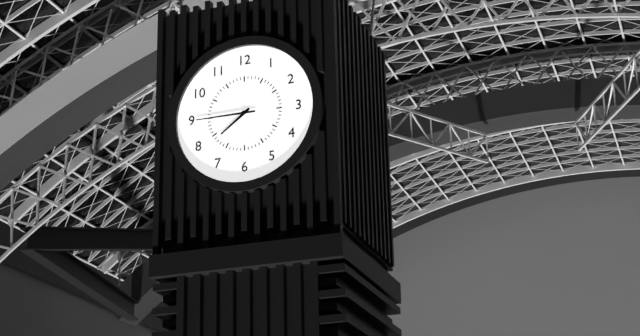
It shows 7h45
